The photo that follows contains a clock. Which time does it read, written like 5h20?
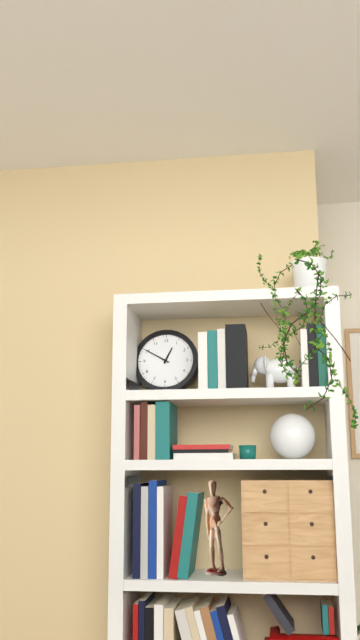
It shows 12h50
